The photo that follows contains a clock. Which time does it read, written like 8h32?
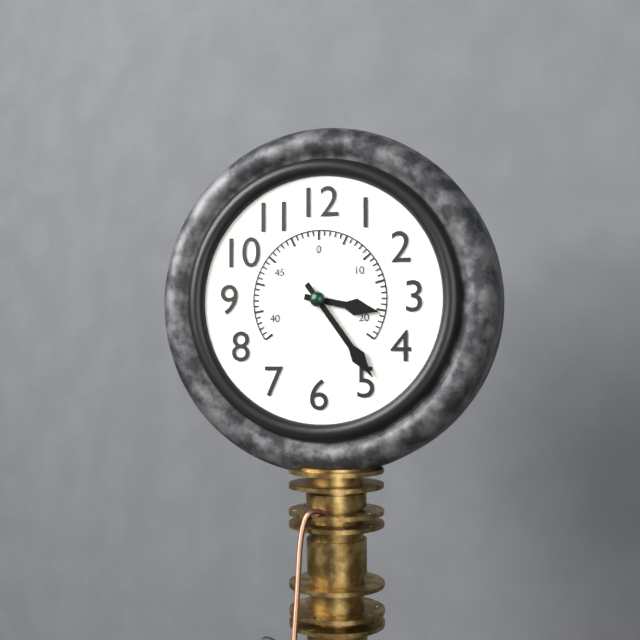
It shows 3h24
